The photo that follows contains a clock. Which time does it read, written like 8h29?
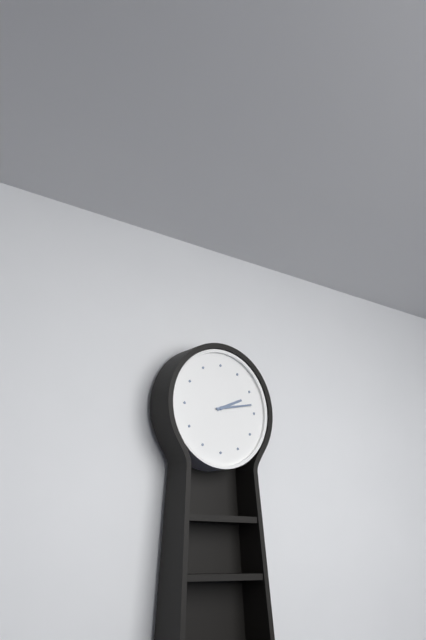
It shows 2h13
